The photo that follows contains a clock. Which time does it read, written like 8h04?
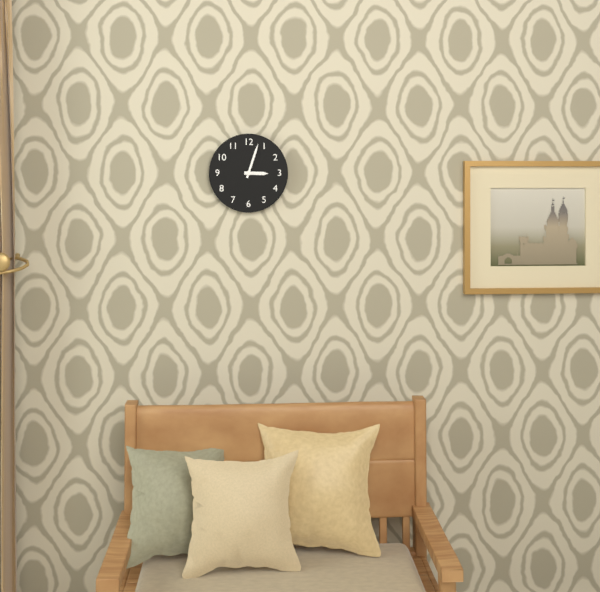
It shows 3h03
